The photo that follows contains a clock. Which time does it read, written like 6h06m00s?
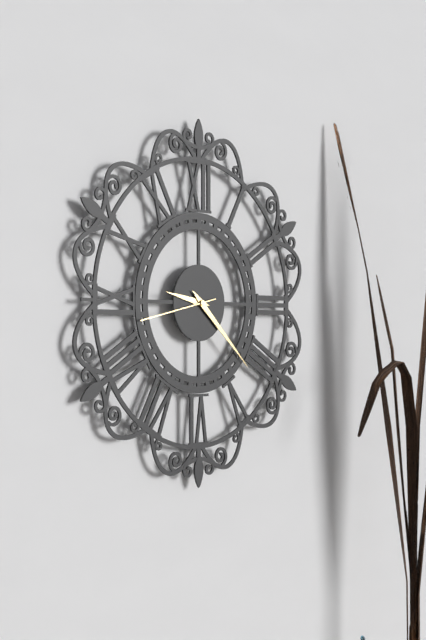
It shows 9h22m43s
